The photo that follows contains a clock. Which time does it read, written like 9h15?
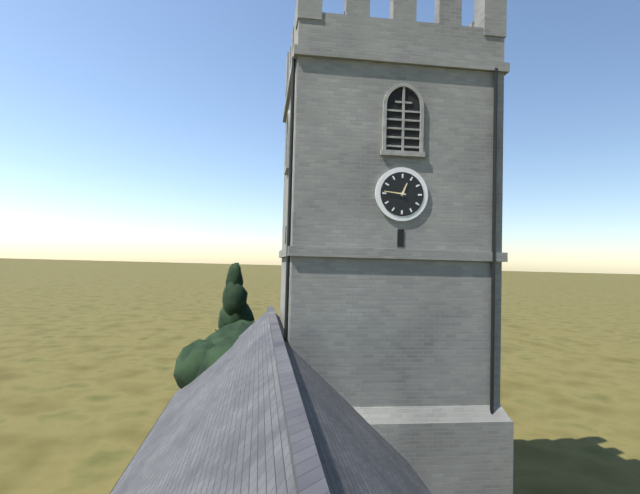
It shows 12h46
